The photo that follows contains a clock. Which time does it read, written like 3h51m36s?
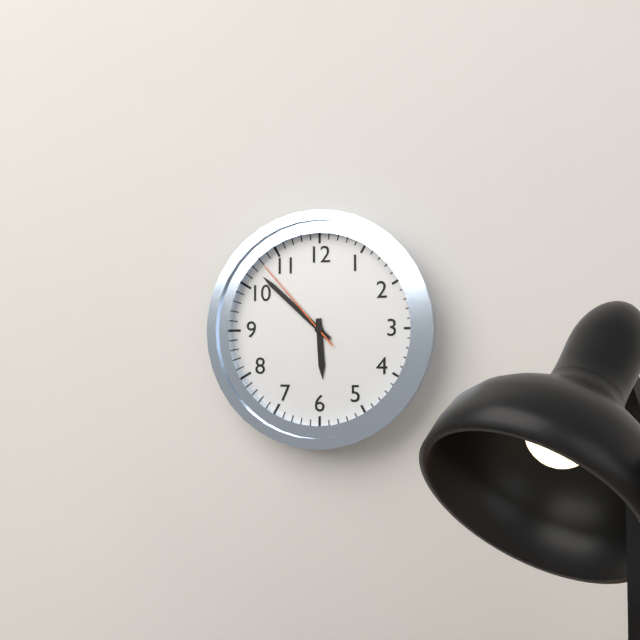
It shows 5h52m53s
